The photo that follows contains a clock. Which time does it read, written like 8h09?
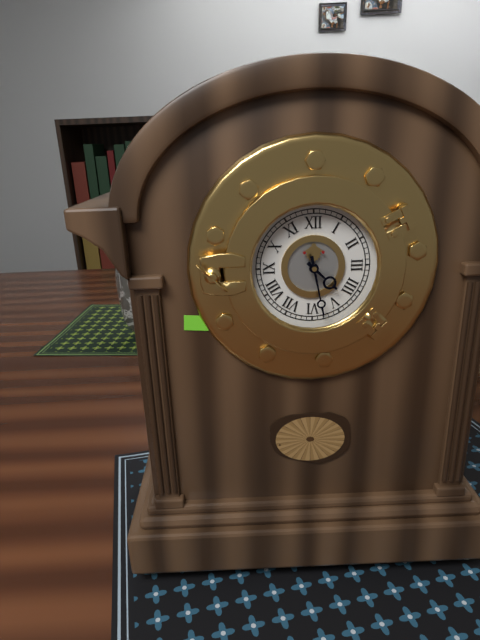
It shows 4h28
